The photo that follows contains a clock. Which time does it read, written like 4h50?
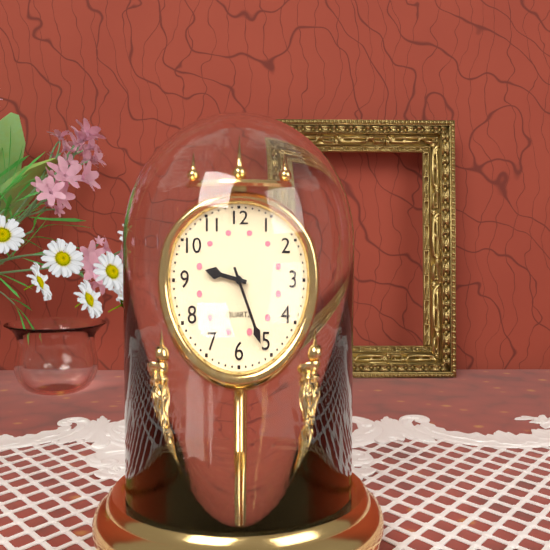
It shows 9h26
